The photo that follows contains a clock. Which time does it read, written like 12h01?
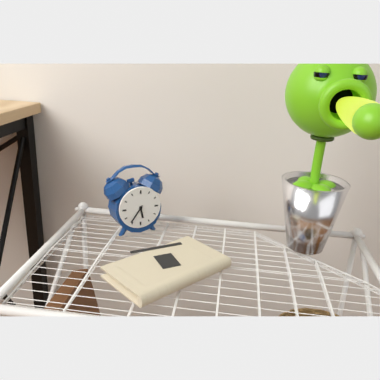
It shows 5h36
